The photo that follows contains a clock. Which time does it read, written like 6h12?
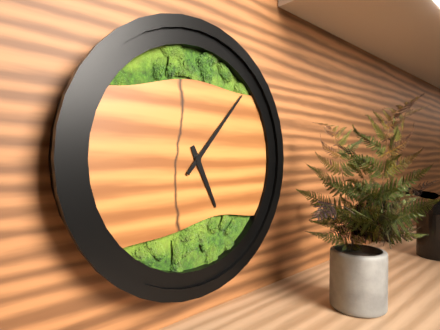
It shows 5h07
